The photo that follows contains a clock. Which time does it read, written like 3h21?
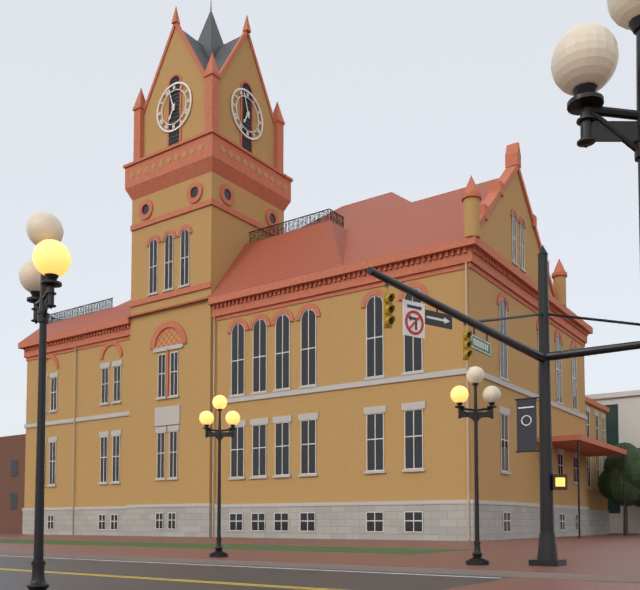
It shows 6h57
